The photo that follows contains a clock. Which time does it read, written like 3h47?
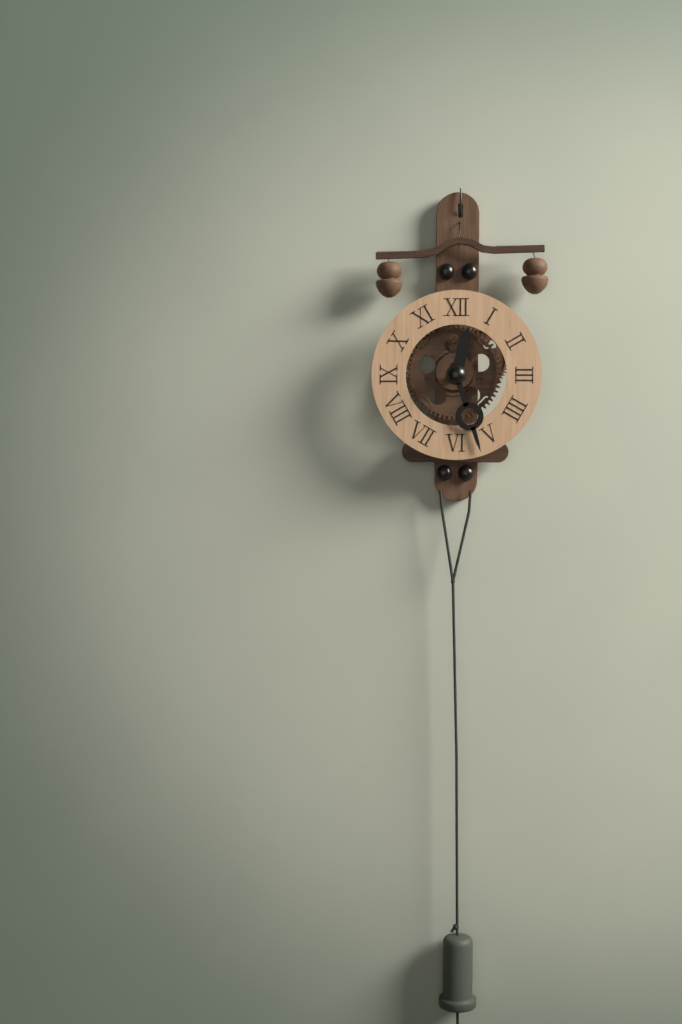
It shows 12h27
